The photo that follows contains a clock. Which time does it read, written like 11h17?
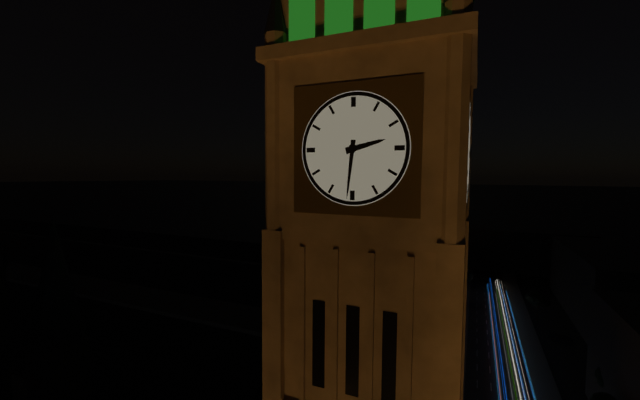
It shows 2h31
